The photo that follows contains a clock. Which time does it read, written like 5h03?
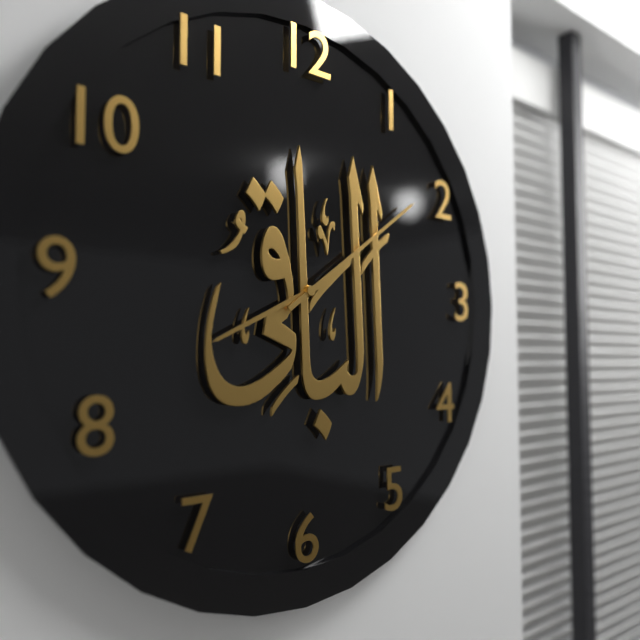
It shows 8h09
